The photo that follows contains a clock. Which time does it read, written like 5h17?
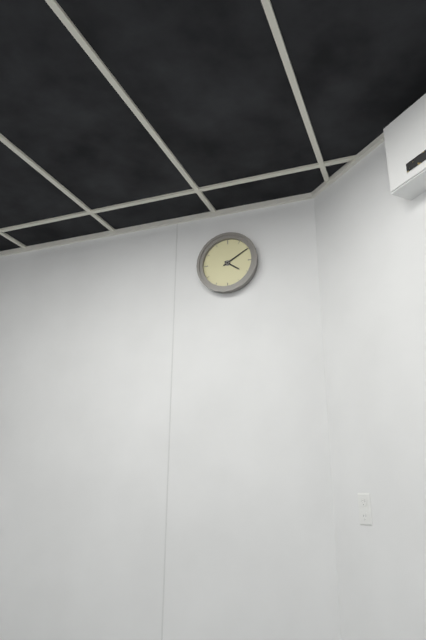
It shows 4h10
